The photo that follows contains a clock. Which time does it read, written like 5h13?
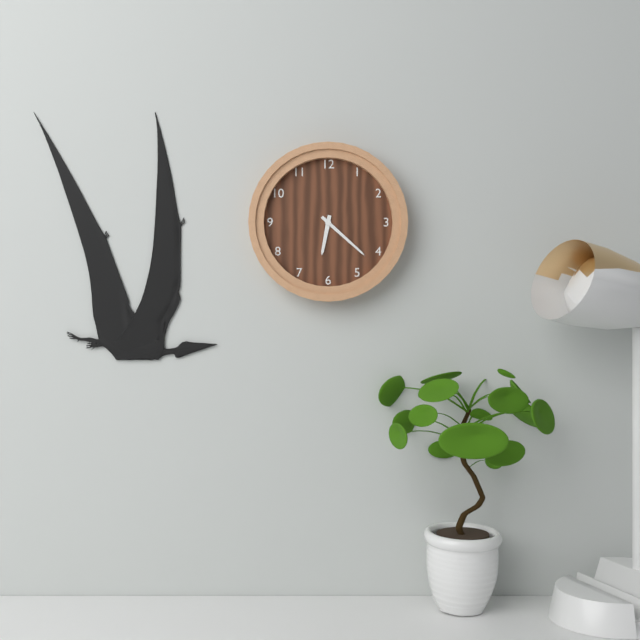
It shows 6h22
